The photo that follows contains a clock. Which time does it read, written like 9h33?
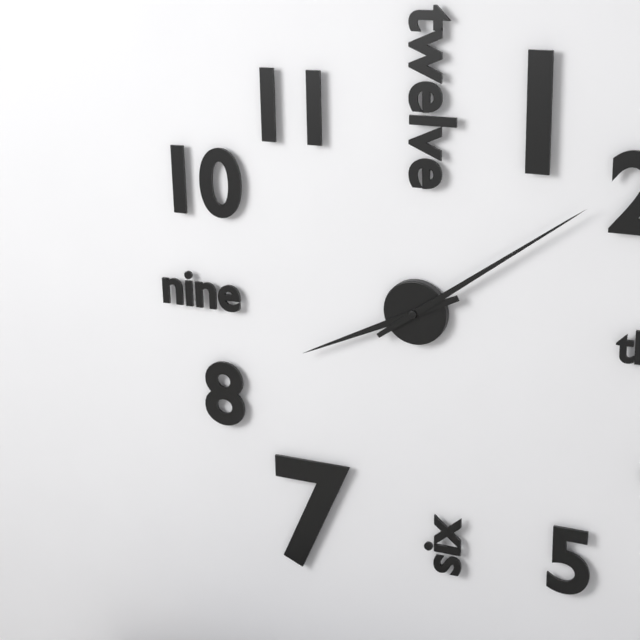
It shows 8h09
